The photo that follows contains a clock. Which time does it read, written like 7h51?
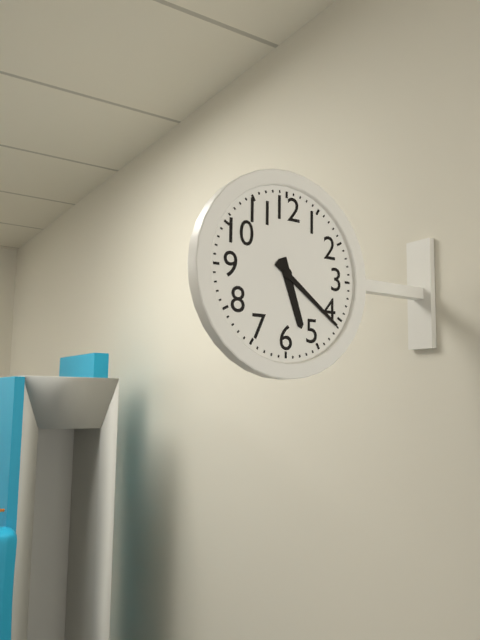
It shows 5h21
